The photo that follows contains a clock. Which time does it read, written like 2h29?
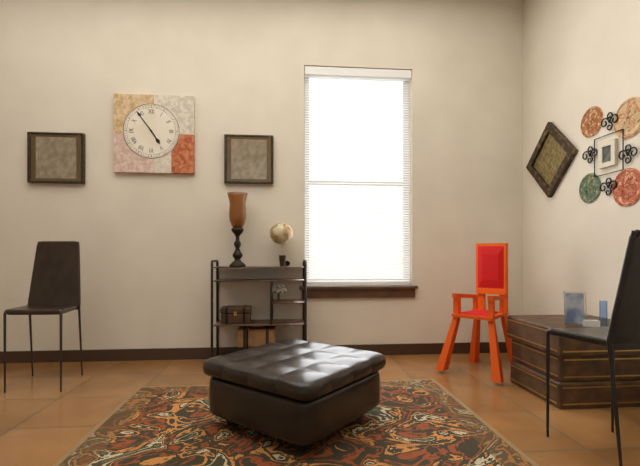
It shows 4h54
